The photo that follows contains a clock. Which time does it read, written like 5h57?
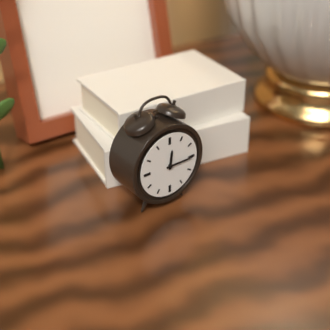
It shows 12h15
